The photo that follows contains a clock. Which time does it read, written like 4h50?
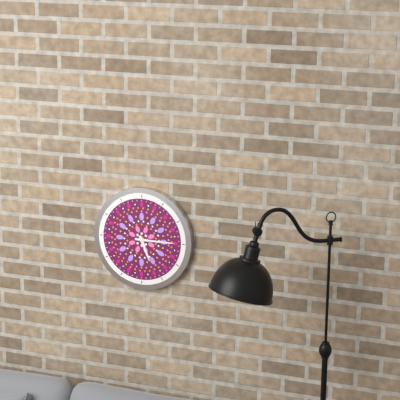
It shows 5h15
